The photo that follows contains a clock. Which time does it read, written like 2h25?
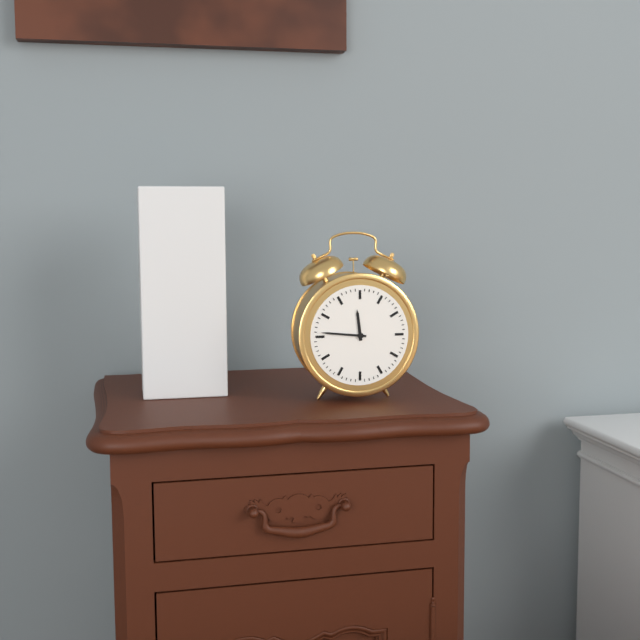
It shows 11h46
